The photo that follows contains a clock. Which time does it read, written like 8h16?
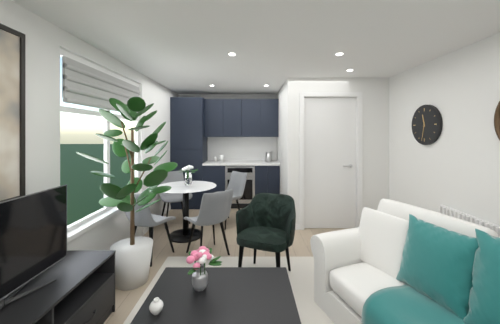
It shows 11h32
